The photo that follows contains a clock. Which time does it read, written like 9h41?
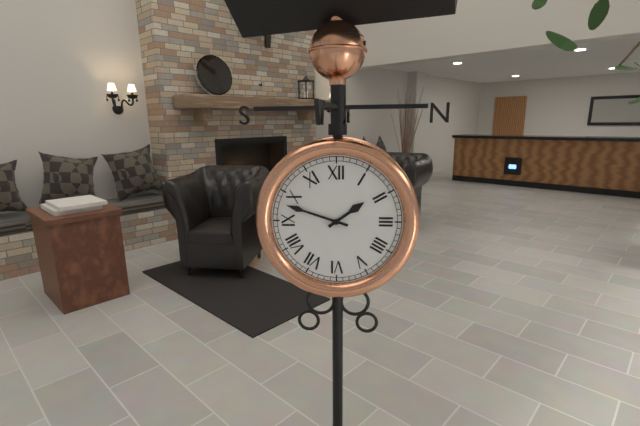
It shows 1h48
